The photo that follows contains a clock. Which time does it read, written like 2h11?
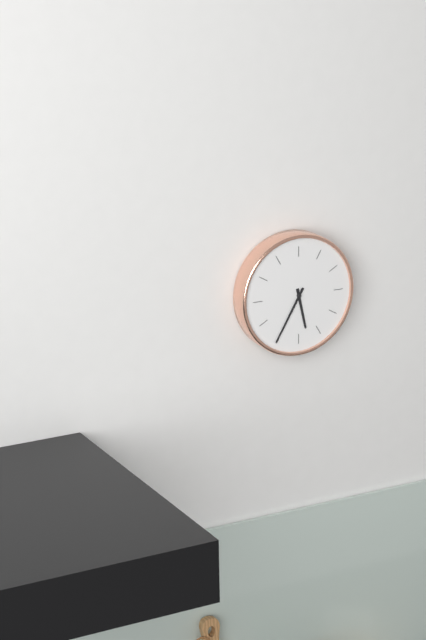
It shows 5h35
